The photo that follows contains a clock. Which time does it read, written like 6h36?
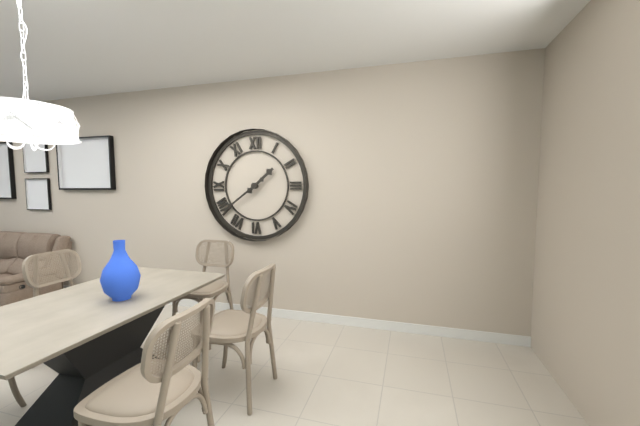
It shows 1h39
